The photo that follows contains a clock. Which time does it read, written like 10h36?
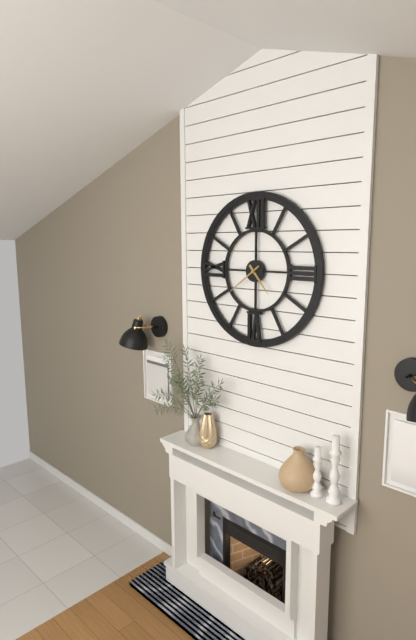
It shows 4h39
